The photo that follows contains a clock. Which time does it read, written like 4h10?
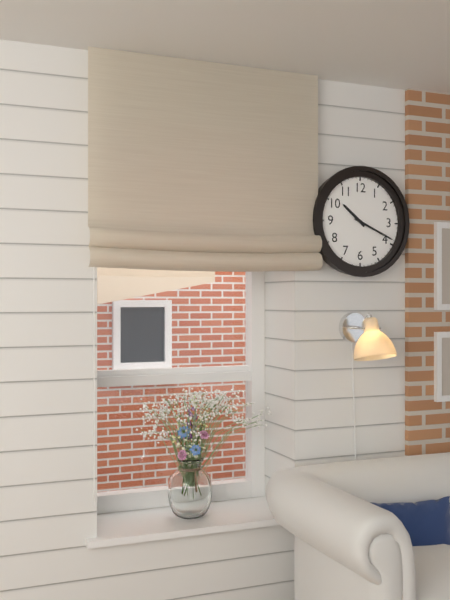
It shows 10h19
